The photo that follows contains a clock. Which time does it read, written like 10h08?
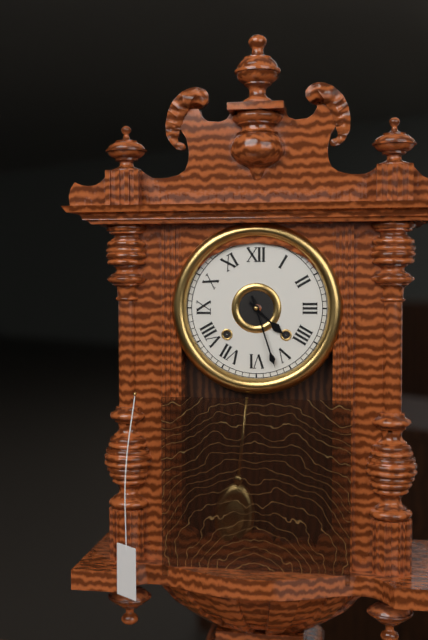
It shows 4h27
